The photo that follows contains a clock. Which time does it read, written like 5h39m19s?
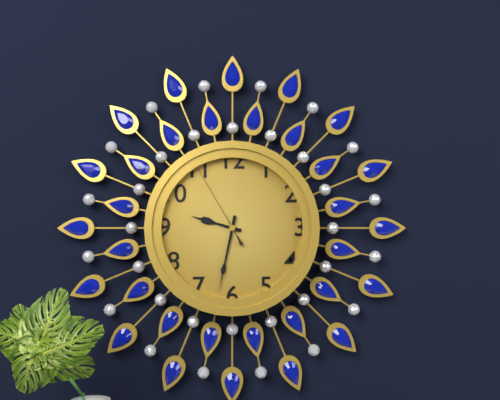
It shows 9h32m55s
